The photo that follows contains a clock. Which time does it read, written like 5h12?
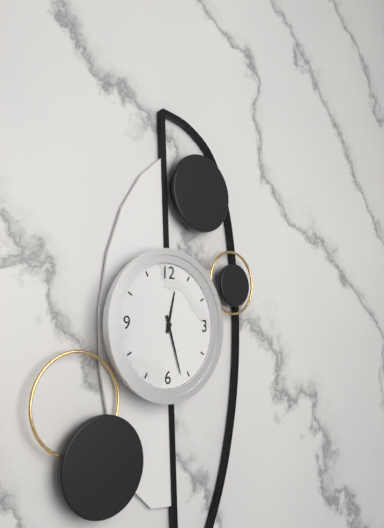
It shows 12h27
